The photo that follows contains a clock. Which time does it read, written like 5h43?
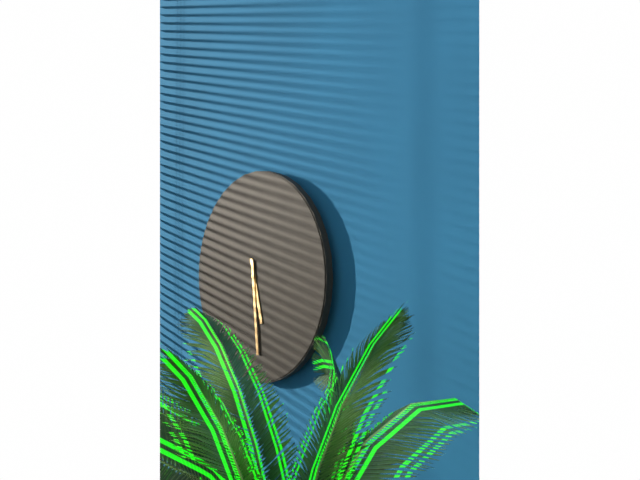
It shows 5h29
